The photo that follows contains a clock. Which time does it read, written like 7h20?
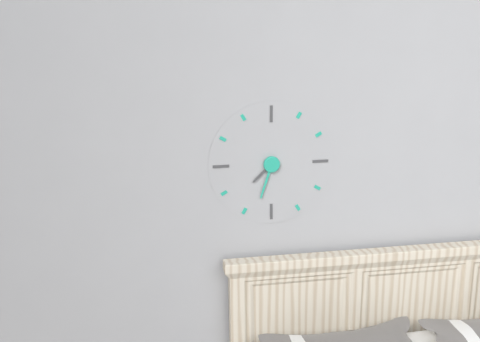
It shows 7h33
